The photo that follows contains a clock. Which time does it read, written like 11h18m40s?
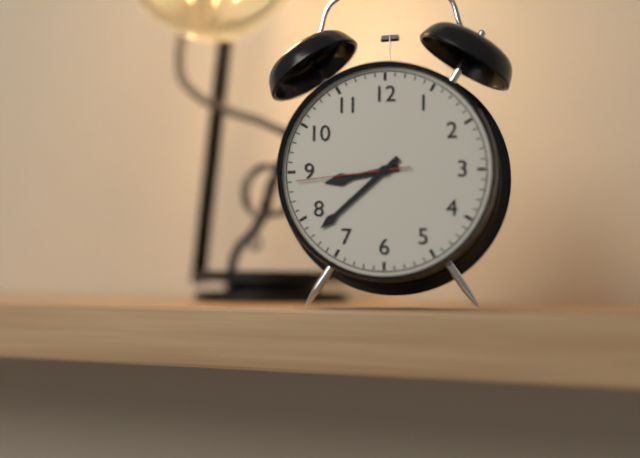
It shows 8h38m44s
